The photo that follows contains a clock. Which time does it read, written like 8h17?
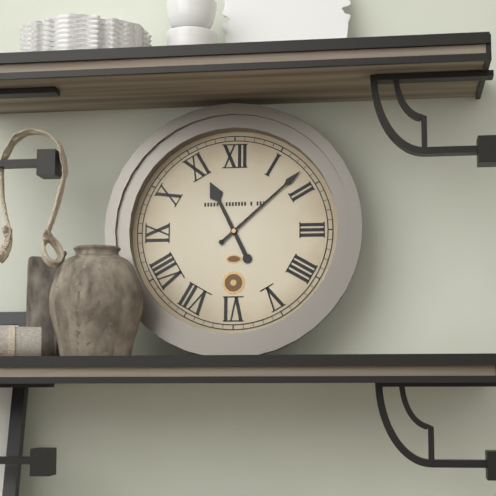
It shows 11h08
